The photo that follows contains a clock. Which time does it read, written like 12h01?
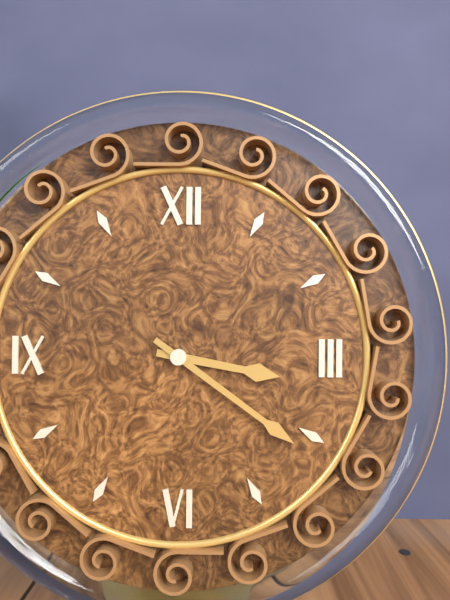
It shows 3h21
